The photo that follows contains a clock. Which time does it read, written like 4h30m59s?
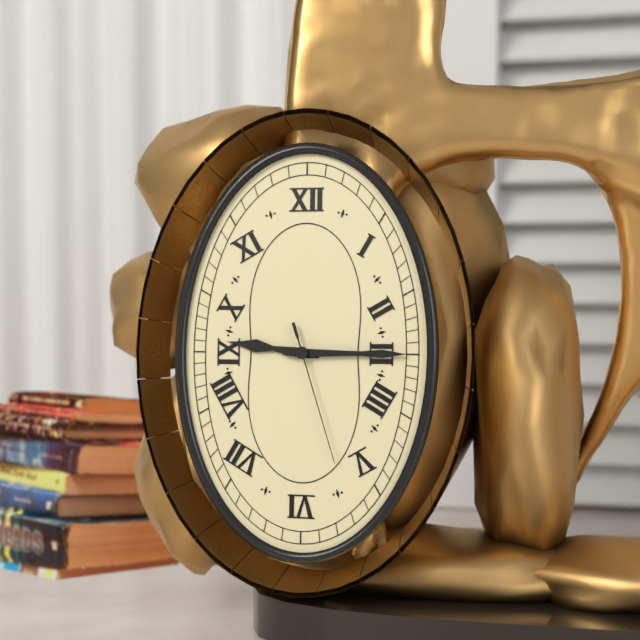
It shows 9h15m27s
